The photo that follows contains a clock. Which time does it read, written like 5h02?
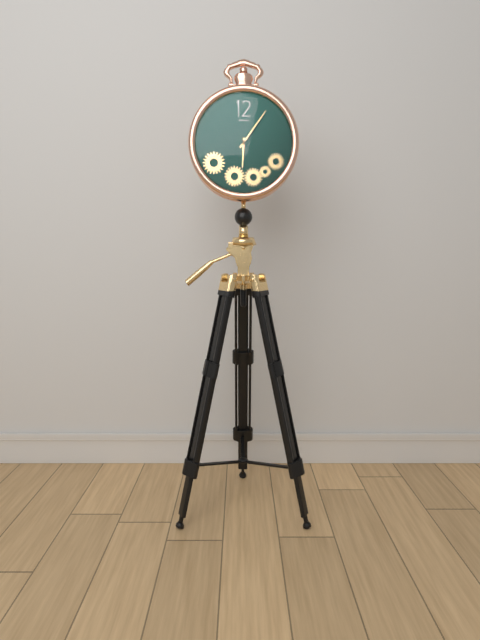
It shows 6h06
